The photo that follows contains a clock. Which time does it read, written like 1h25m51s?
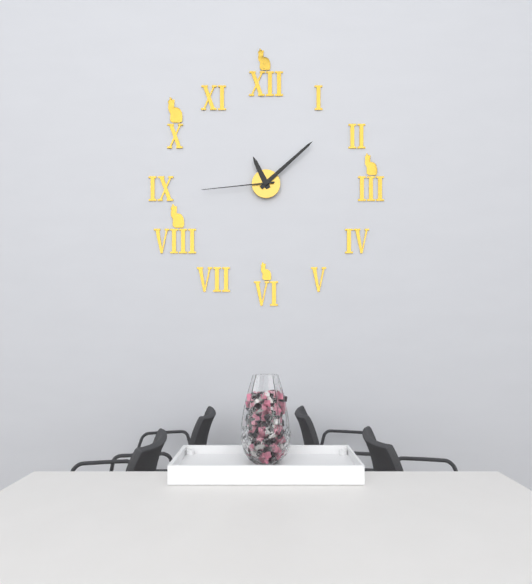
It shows 11h08m44s
